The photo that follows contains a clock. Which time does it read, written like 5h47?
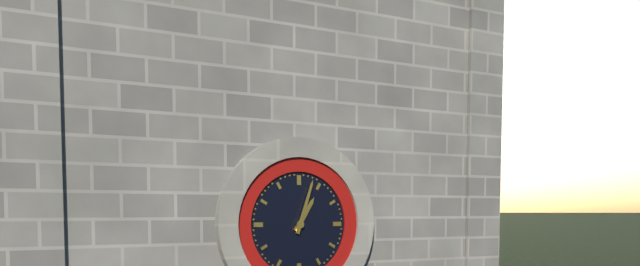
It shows 1h03
